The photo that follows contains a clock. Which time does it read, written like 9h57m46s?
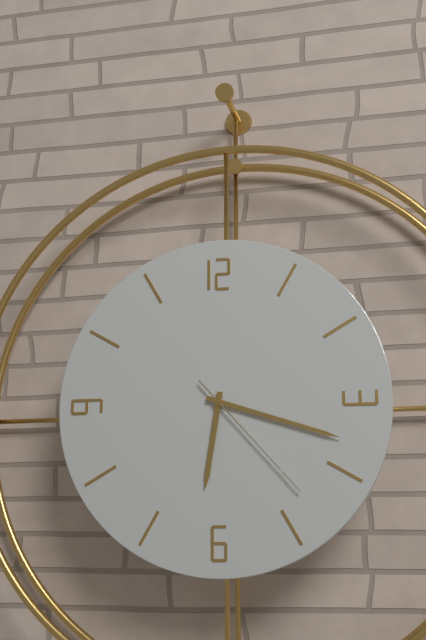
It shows 6h18m23s
